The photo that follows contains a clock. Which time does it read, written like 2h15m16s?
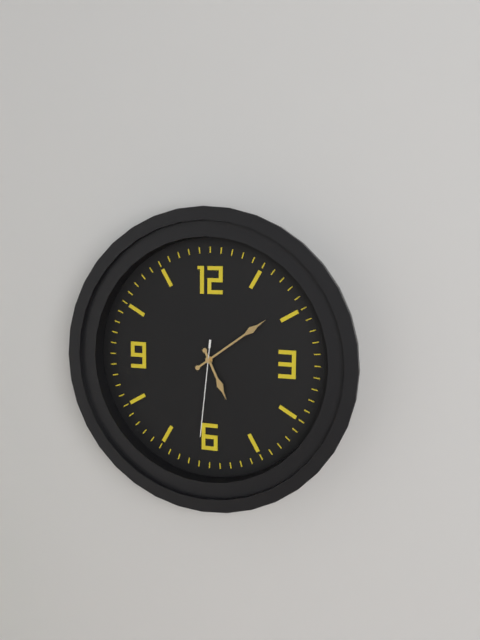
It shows 5h09m31s
